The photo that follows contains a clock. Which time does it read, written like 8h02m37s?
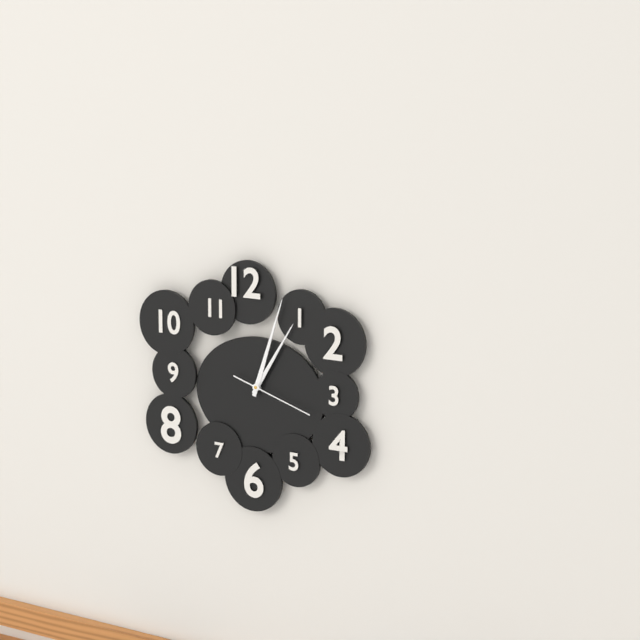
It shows 1h03m18s
